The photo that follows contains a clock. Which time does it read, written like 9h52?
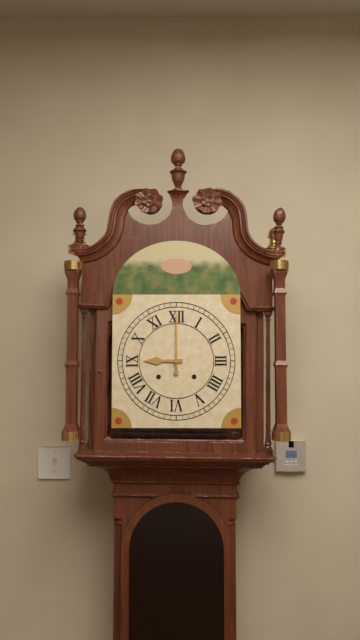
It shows 9h00
